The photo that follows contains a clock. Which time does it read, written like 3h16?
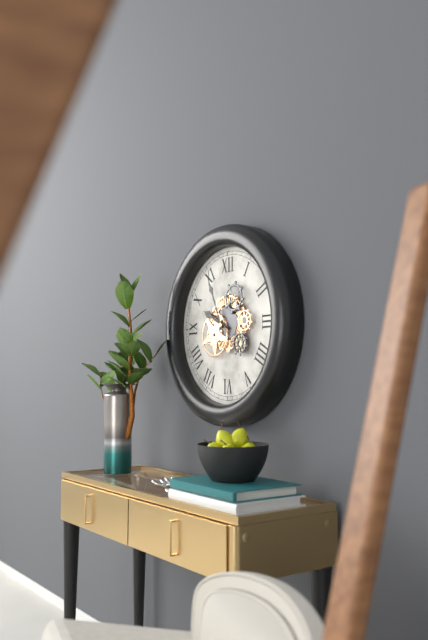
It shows 9h56
